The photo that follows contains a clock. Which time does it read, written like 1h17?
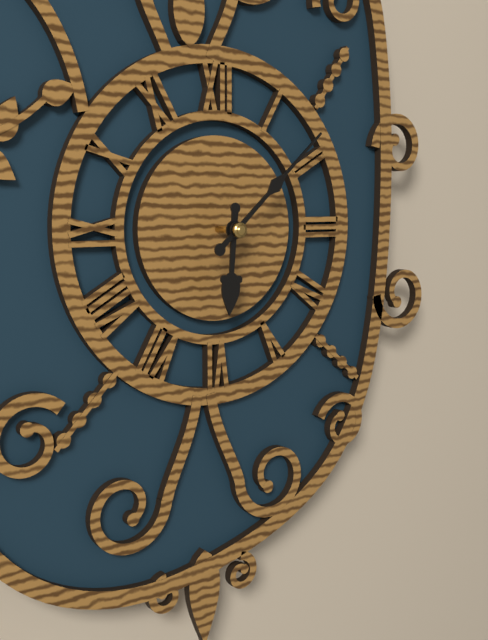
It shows 6h08
